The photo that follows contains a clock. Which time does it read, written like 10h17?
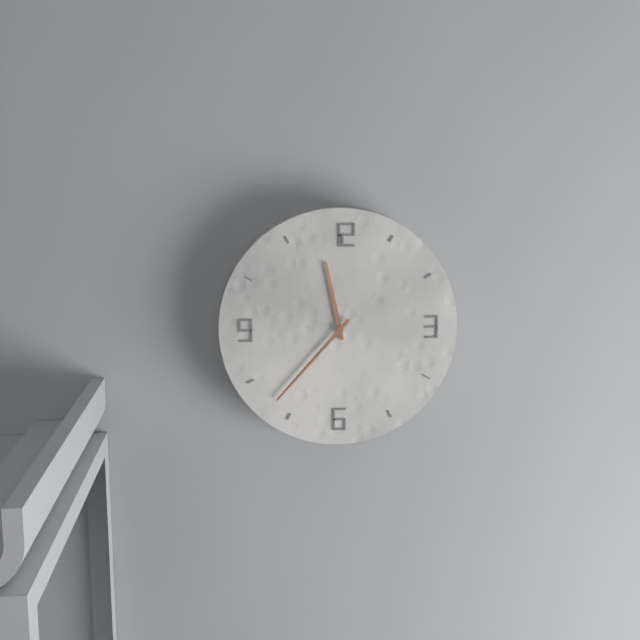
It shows 11h37
